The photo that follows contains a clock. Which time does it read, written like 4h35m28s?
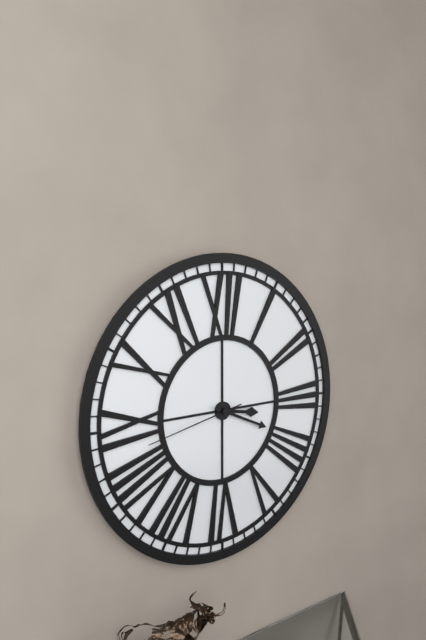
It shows 3h19m43s
